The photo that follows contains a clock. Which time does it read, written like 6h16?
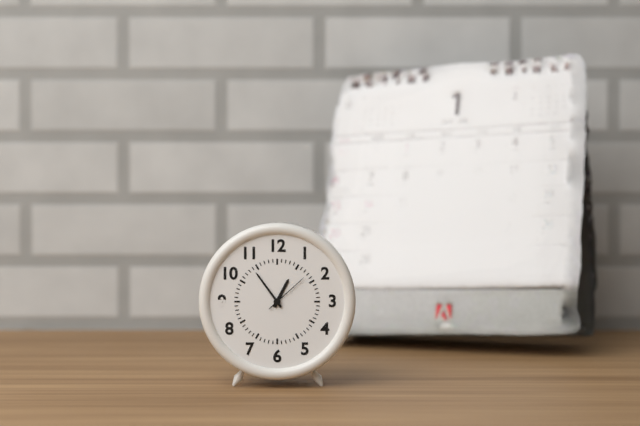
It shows 12h54
